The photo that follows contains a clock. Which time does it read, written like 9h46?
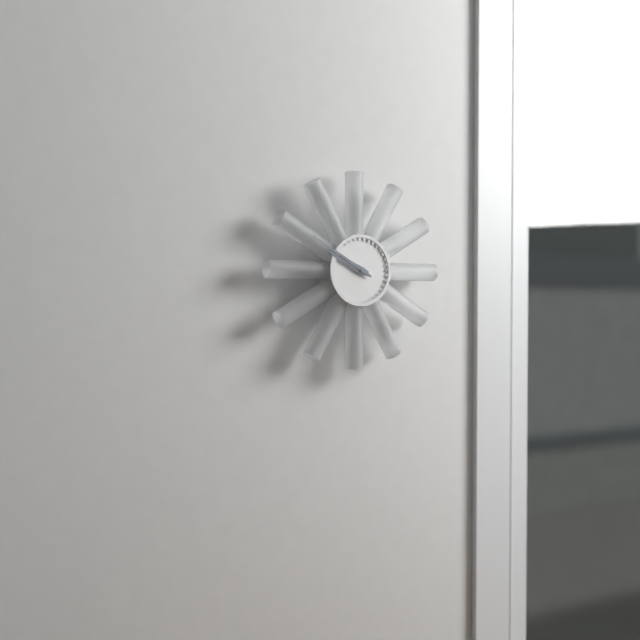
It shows 9h50
